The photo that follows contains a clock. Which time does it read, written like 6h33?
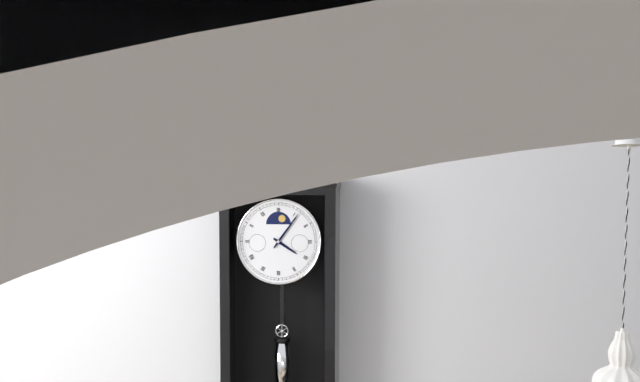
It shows 4h06
